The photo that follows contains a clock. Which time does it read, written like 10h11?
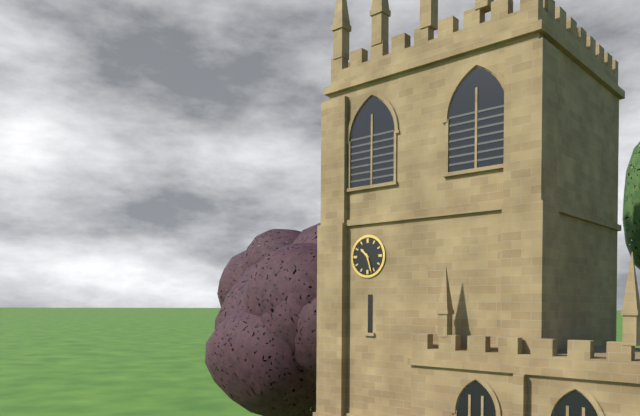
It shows 10h27
